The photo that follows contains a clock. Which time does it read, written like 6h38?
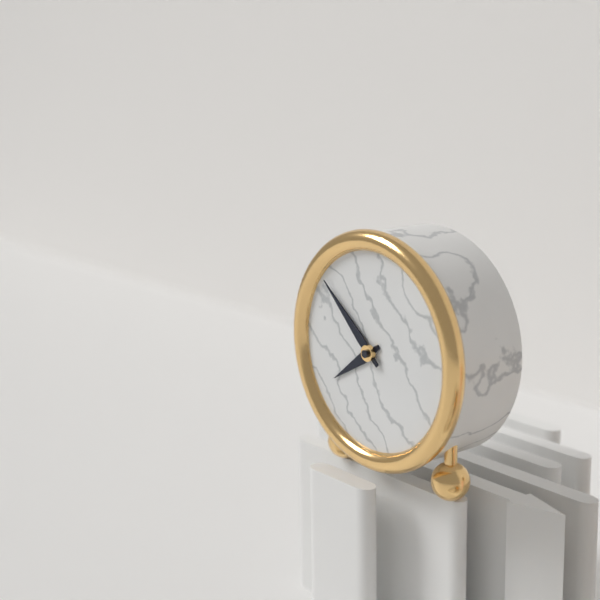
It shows 7h52
